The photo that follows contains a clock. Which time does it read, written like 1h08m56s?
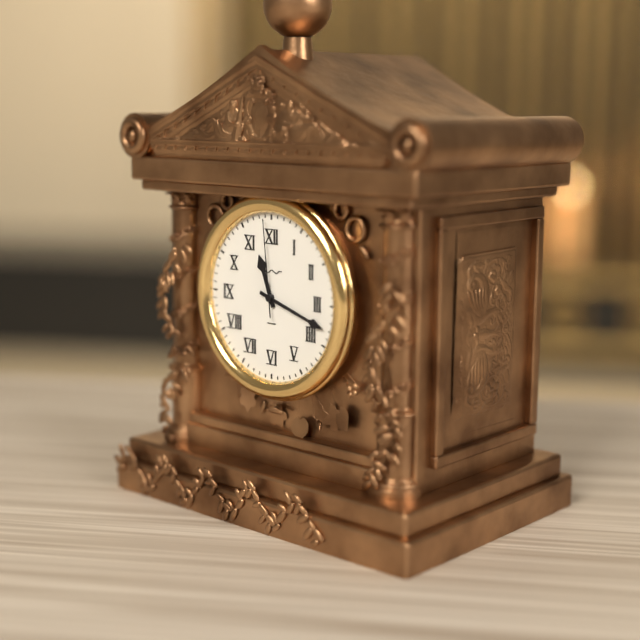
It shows 11h18m59s
